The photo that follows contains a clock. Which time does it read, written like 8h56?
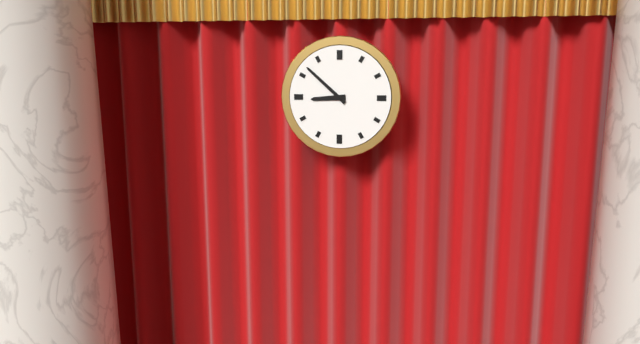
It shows 8h52
